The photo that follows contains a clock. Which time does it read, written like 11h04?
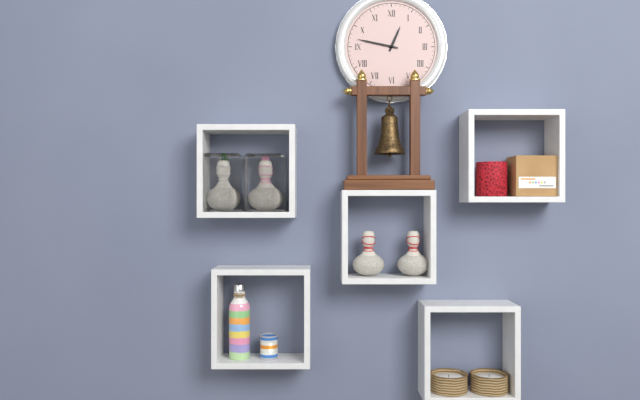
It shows 12h47
